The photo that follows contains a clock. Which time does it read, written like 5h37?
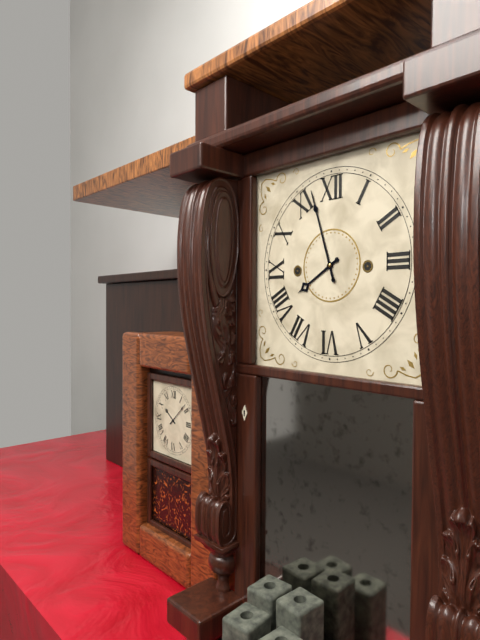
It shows 7h57
